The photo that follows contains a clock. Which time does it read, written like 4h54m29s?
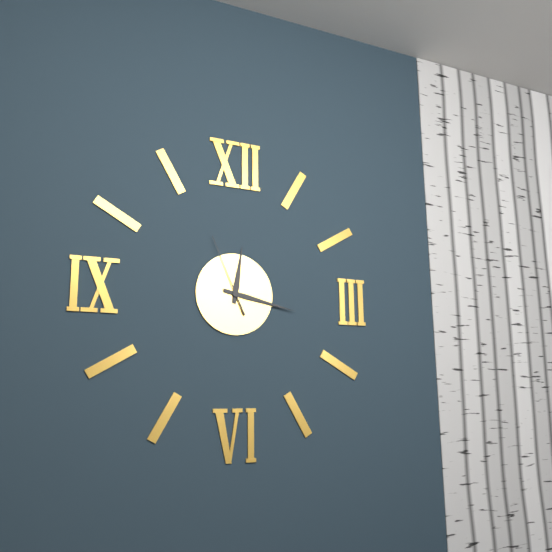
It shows 12h17m56s
